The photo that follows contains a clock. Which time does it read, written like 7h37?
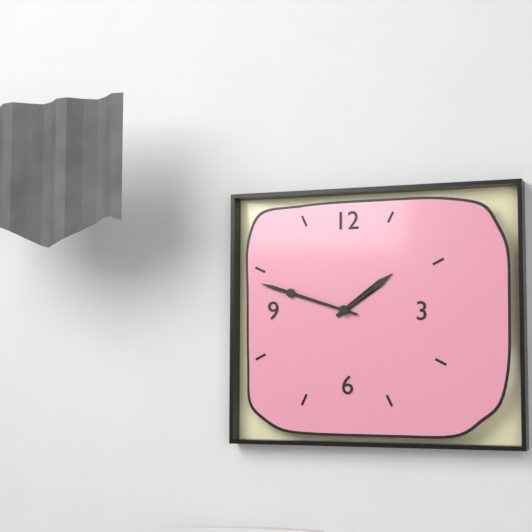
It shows 1h48
